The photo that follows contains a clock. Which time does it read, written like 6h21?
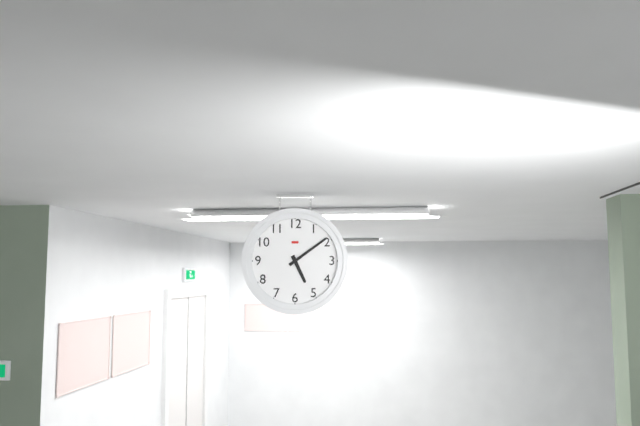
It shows 5h09
